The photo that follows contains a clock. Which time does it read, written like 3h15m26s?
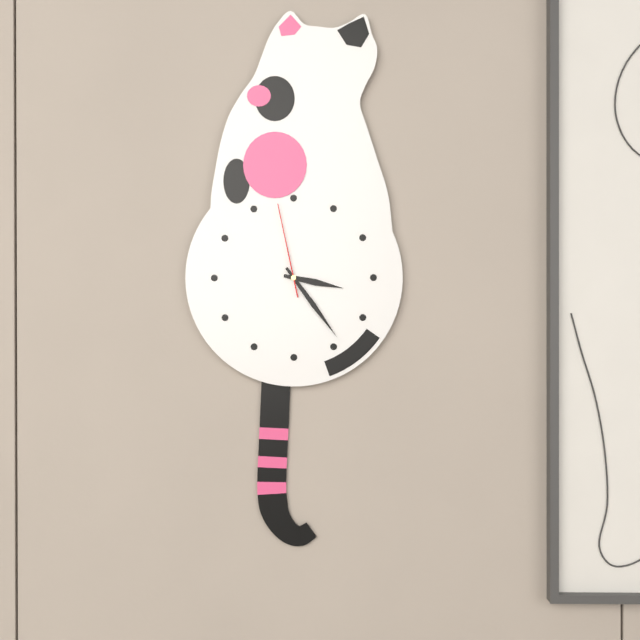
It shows 3h24m58s
